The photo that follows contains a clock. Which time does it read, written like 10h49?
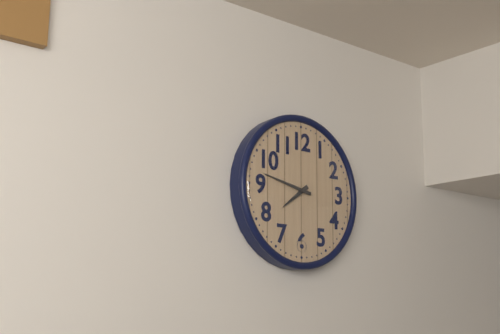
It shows 7h47
